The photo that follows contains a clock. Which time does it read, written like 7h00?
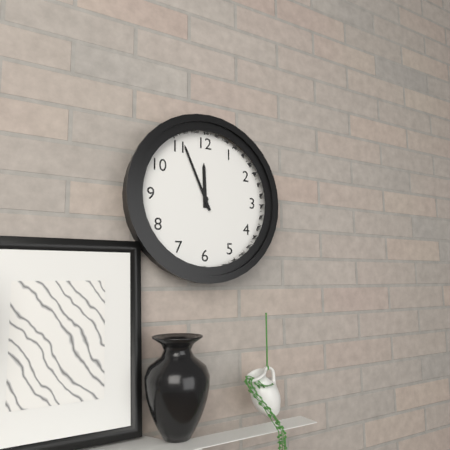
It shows 11h56
